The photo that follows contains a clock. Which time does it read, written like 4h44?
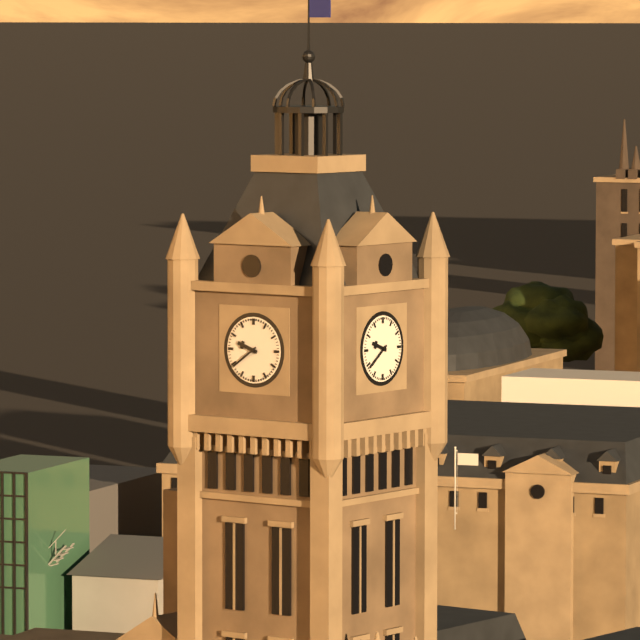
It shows 9h39
